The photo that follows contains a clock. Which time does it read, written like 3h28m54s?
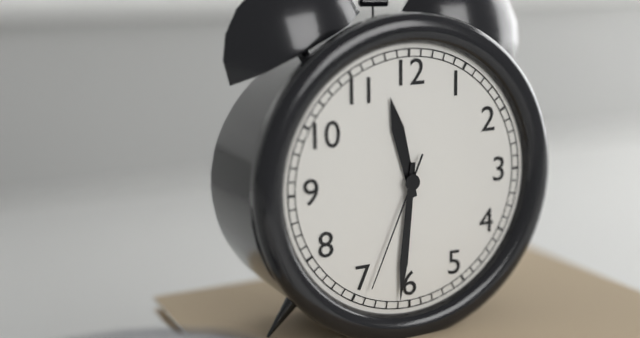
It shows 11h31m34s
